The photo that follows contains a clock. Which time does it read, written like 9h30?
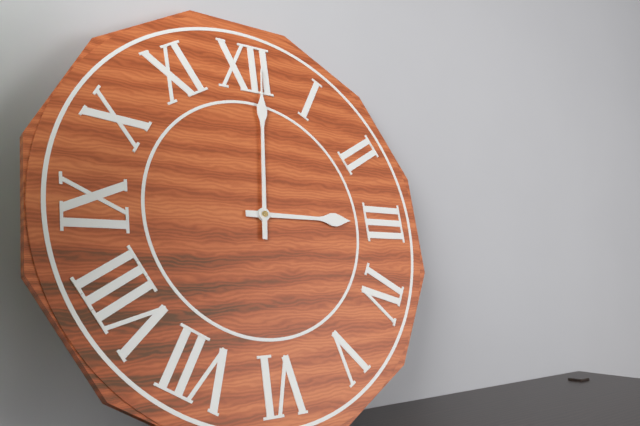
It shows 3h01
